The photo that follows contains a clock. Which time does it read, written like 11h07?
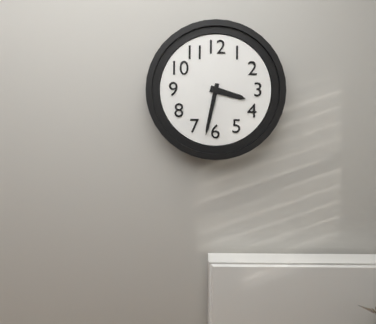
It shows 3h32
